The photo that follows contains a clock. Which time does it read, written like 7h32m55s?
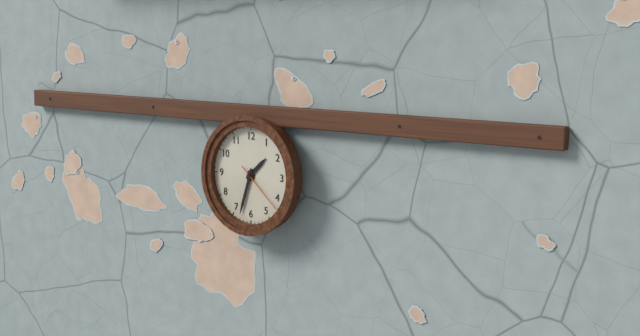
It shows 1h33m22s
